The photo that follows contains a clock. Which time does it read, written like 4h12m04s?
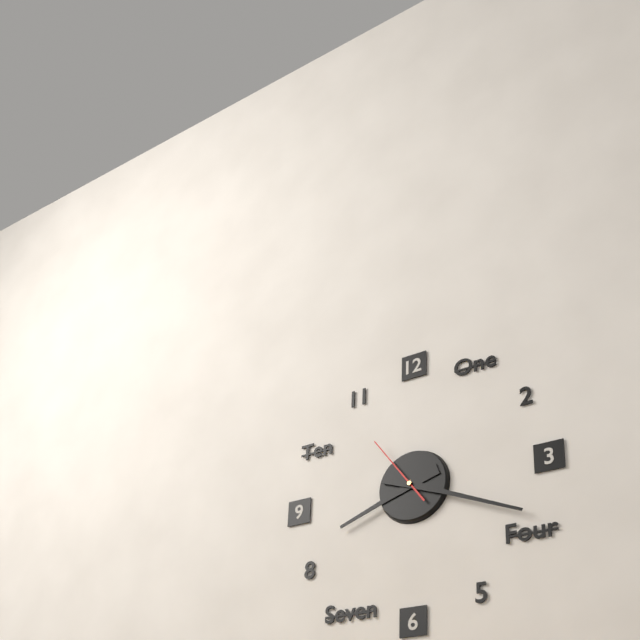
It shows 8h19m54s
